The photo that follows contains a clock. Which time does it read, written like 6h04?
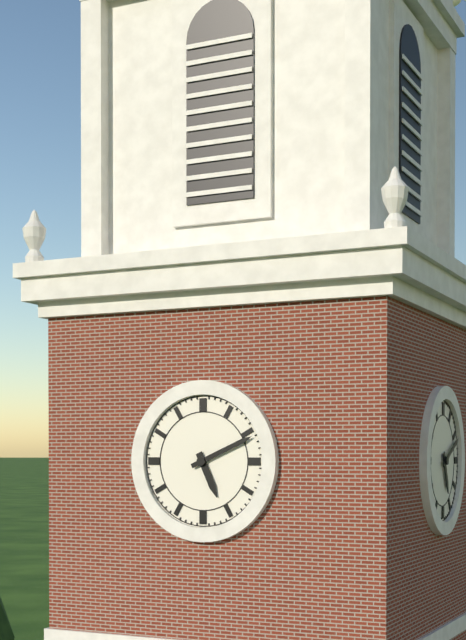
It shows 5h11
